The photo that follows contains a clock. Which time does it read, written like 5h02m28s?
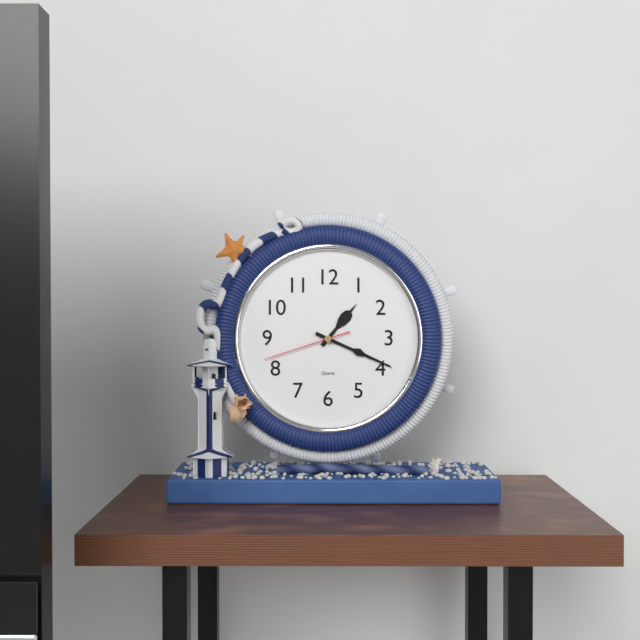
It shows 1h19m42s
